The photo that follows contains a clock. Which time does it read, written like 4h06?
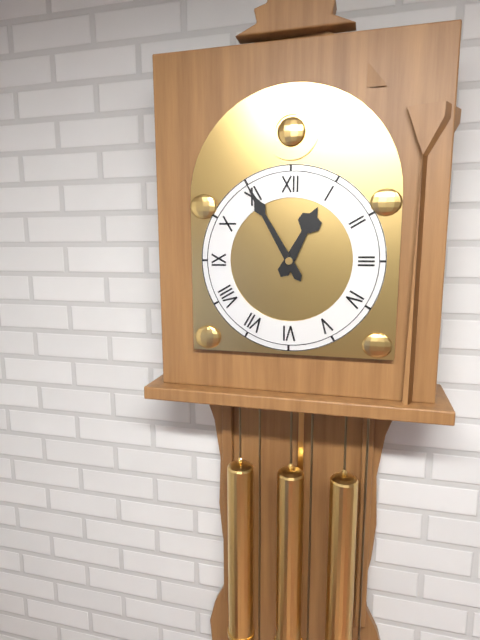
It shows 12h55
